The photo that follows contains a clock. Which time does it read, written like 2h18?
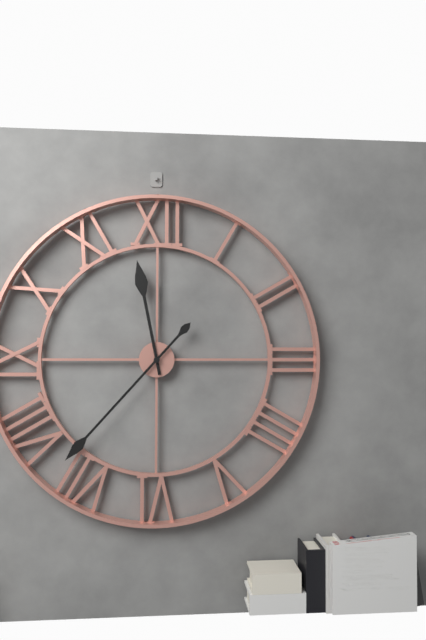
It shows 11h37
